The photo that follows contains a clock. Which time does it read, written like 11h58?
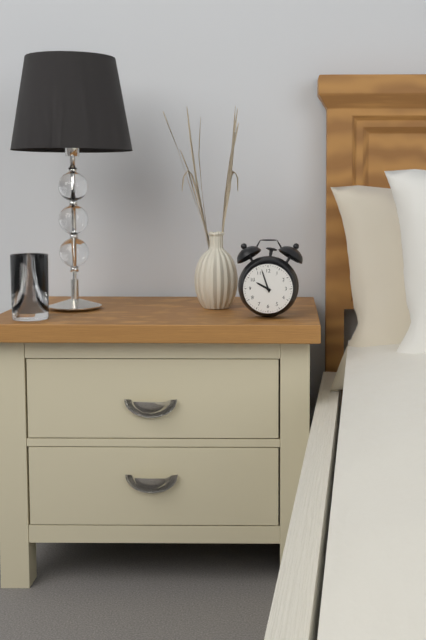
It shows 9h57
